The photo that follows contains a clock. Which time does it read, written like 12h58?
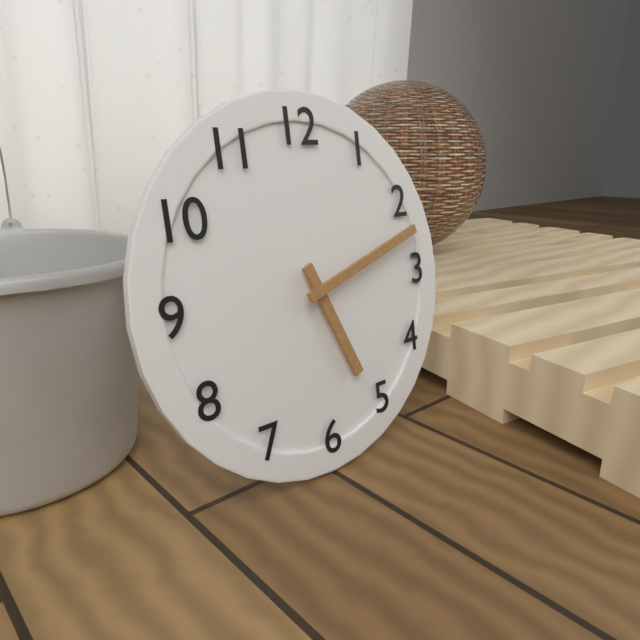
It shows 5h12
